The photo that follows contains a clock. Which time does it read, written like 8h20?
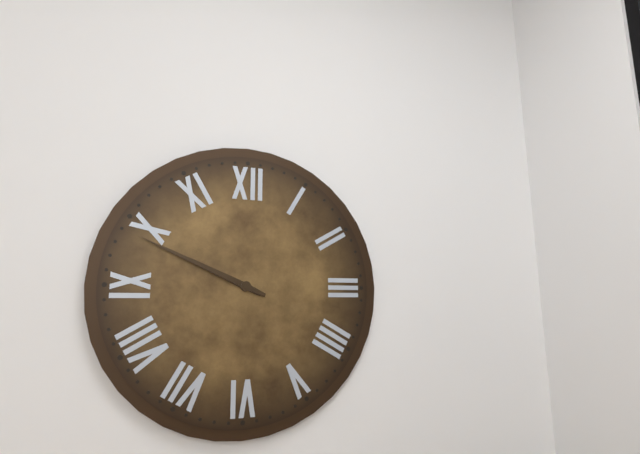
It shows 9h49
